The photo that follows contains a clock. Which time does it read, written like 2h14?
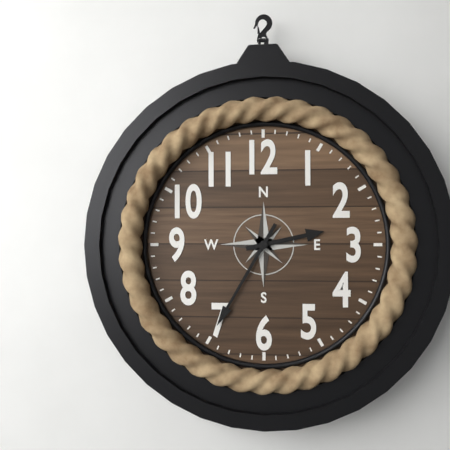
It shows 2h35
